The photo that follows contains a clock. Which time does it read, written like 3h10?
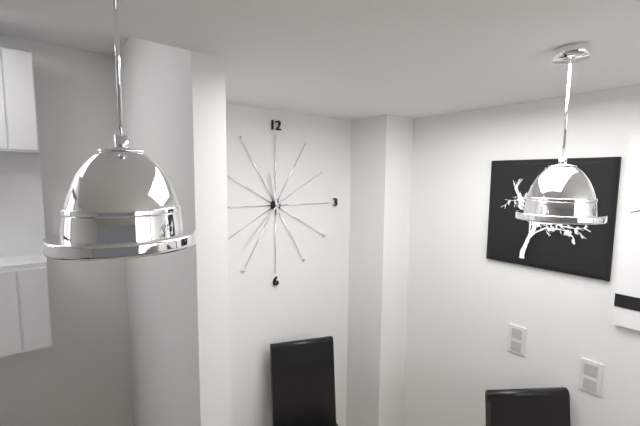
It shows 11h37
